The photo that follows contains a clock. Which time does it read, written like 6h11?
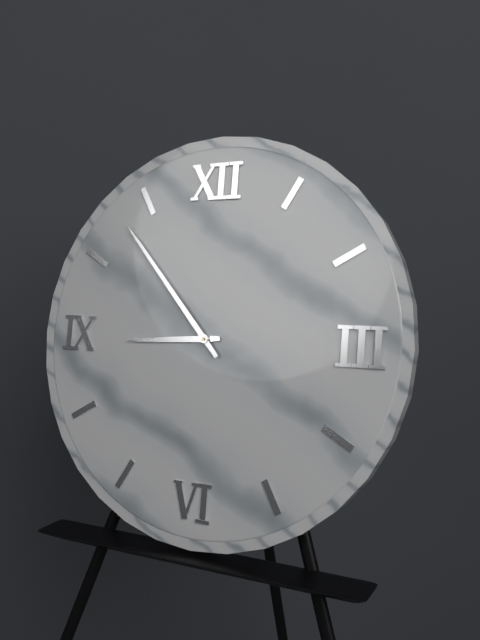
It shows 8h53
